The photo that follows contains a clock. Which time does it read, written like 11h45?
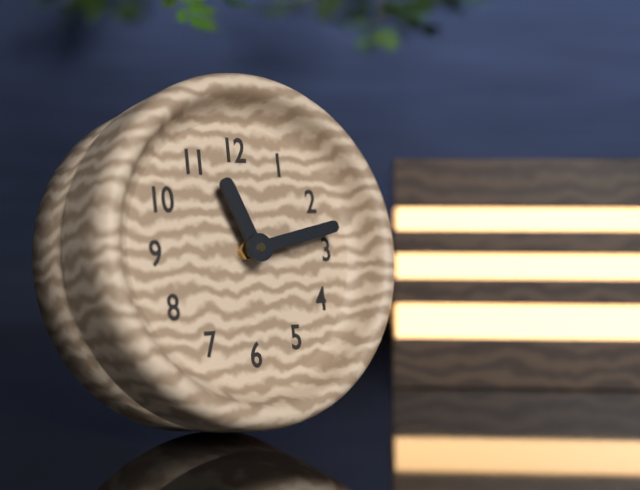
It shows 11h13
